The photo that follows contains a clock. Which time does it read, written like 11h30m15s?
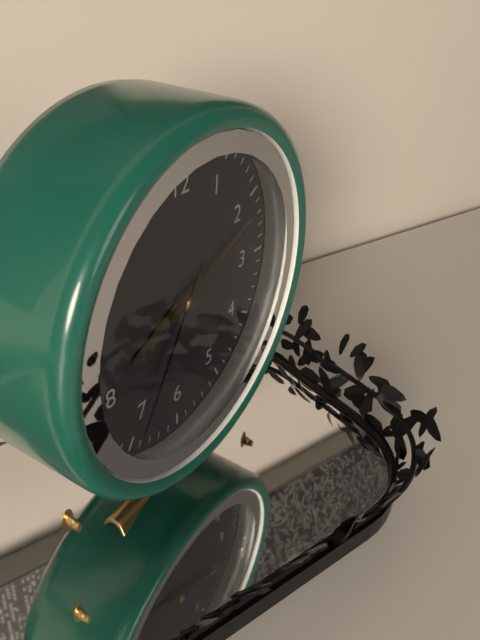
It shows 8h11m35s
